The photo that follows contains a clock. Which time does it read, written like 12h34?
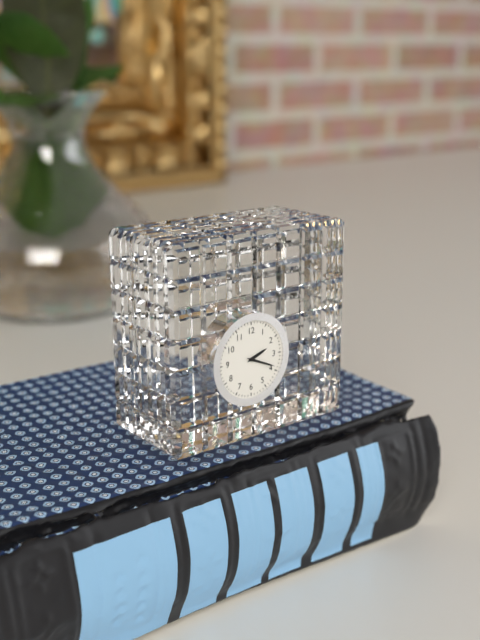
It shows 2h19
